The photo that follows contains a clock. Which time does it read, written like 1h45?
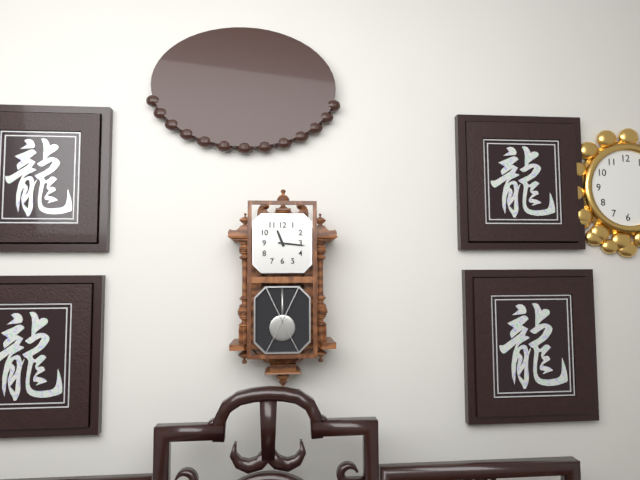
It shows 11h16
